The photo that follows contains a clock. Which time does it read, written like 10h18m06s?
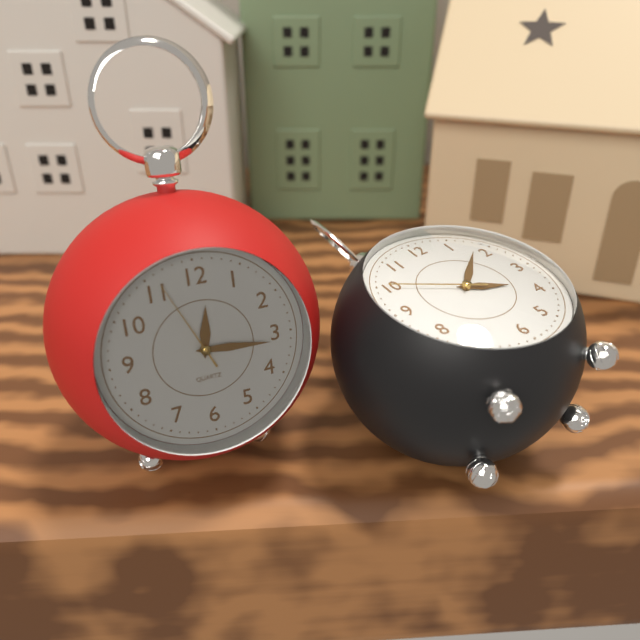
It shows 12h16m56s
